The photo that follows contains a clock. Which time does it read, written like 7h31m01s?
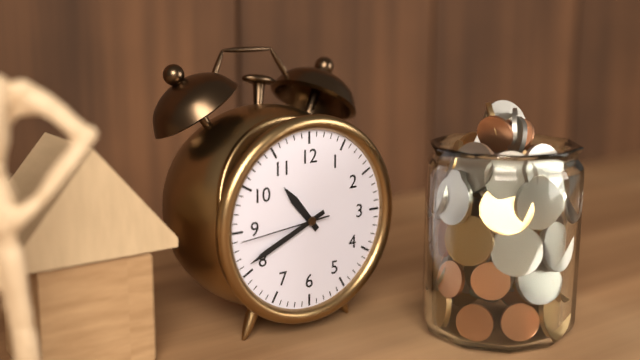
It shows 10h41m44s
